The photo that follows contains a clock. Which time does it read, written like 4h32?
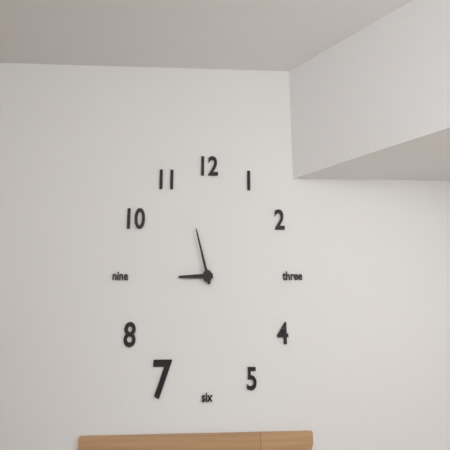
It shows 8h57
